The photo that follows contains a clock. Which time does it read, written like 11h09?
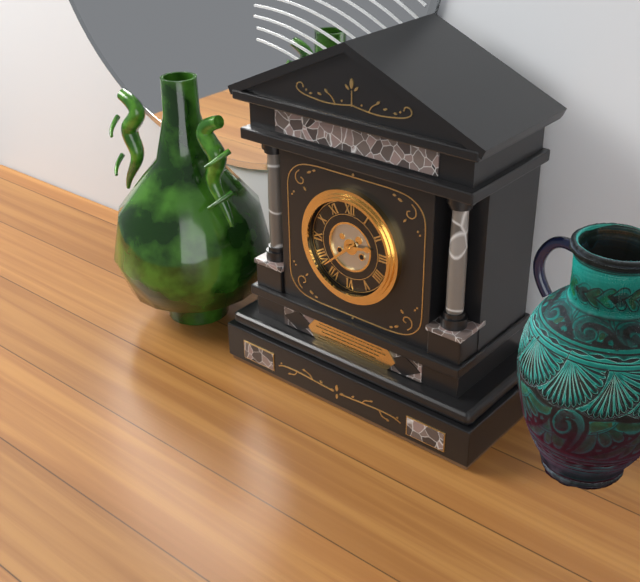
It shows 2h38
